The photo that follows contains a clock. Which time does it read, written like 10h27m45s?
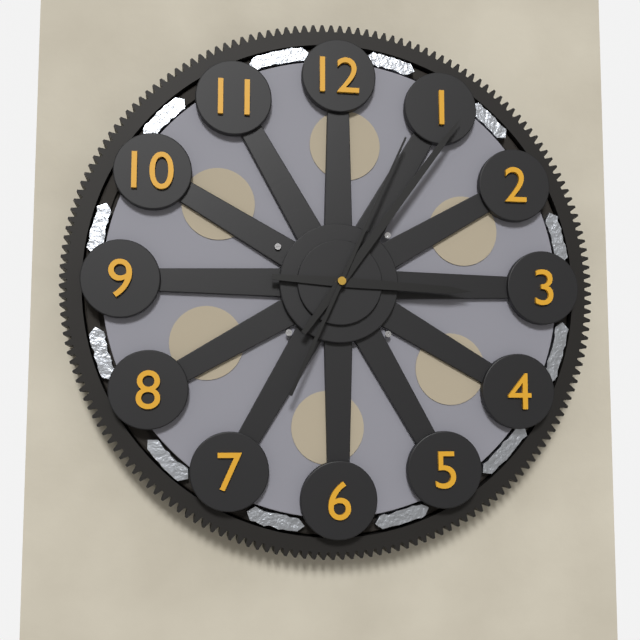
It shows 3h06m04s
